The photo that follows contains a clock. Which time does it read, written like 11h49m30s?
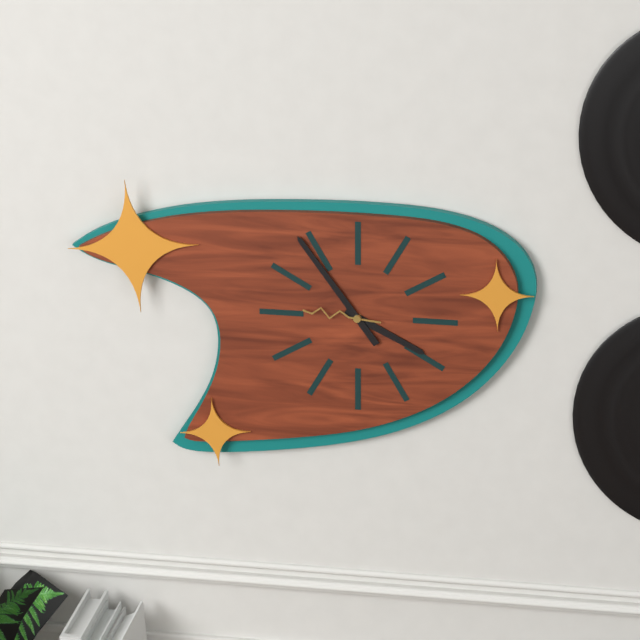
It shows 3h54m46s
